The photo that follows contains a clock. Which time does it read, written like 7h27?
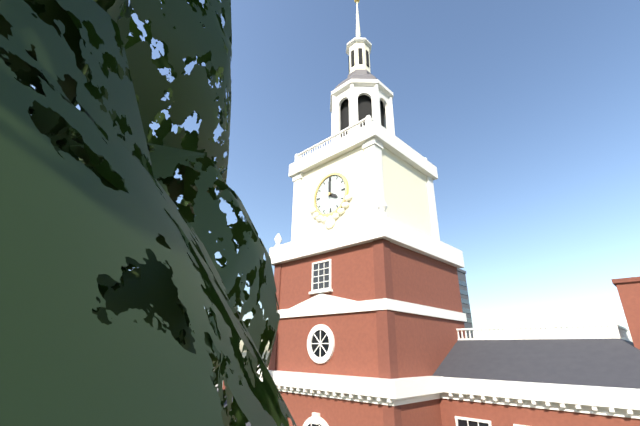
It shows 4h00
